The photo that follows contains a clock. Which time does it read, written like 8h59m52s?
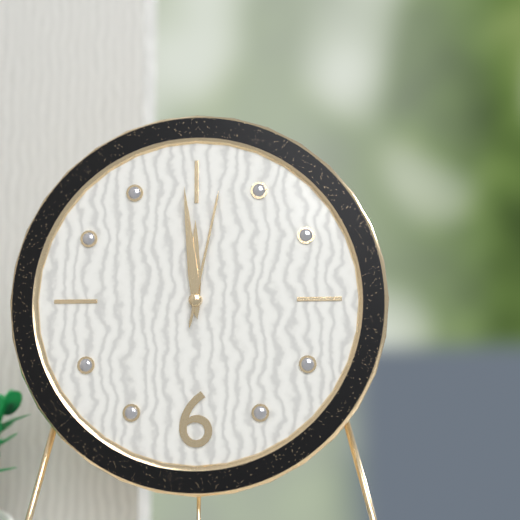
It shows 11h59m02s
